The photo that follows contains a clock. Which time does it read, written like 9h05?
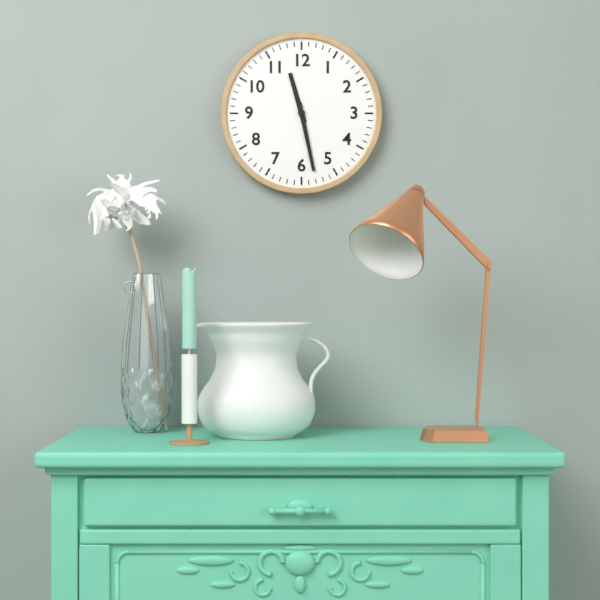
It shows 11h28
